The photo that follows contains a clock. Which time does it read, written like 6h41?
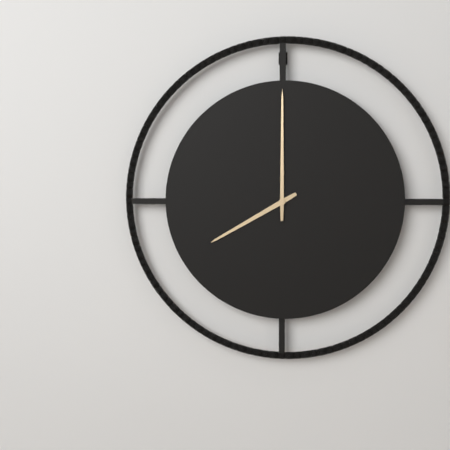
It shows 8h00
